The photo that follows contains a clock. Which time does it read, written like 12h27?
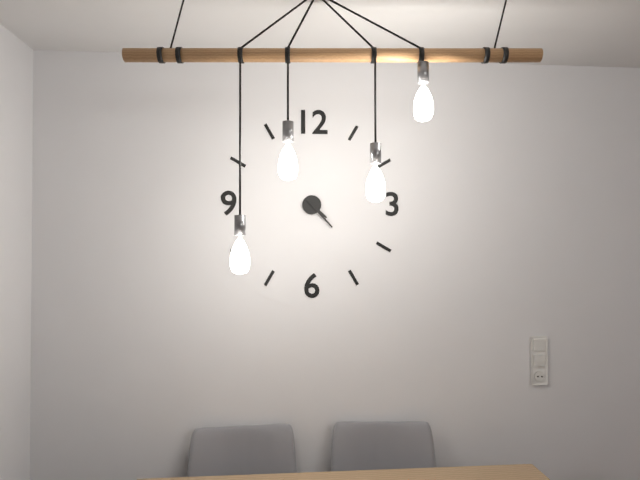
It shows 4h23
